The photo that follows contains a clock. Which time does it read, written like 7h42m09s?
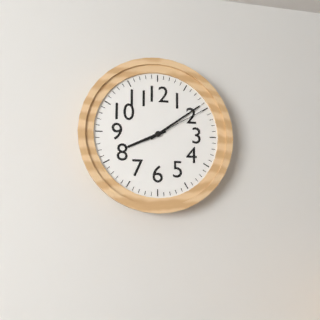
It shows 8h09m10s
